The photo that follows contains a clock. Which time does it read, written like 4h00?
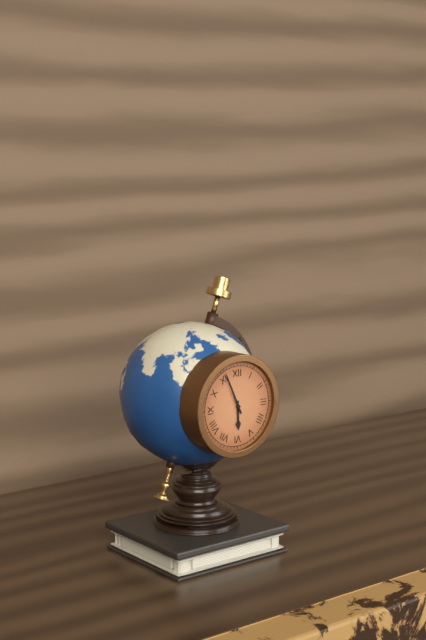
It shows 5h56
